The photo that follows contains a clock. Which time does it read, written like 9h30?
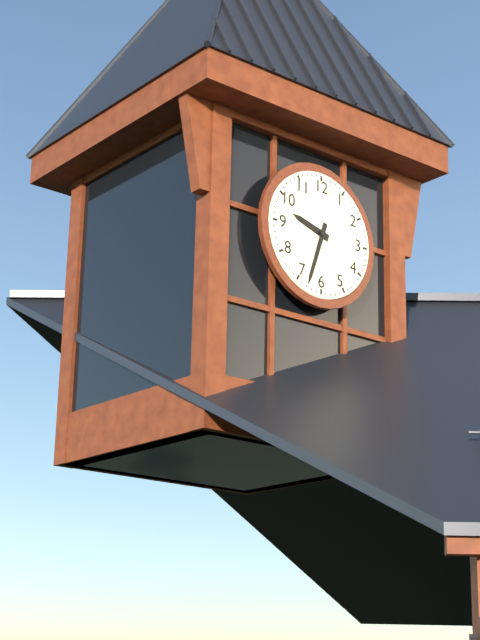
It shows 9h33
